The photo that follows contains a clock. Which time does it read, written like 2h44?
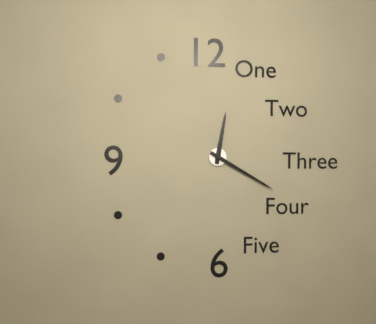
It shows 12h20
